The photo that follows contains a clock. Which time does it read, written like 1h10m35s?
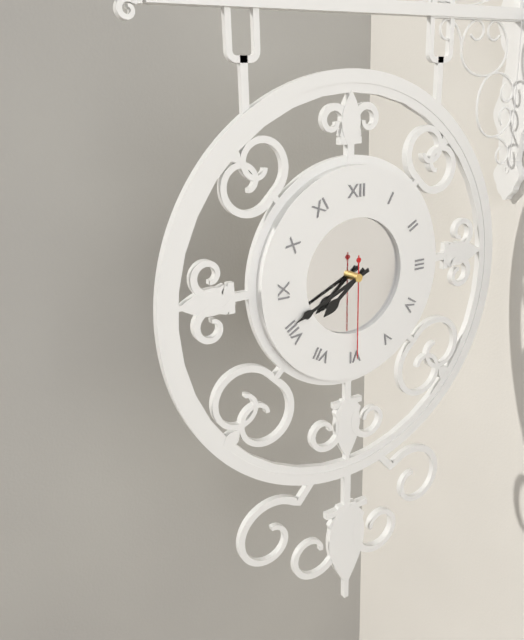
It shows 7h41m30s
